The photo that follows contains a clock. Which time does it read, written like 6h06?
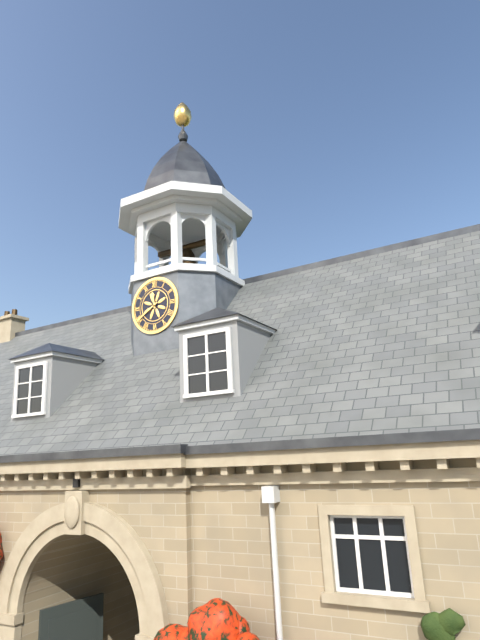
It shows 11h40
